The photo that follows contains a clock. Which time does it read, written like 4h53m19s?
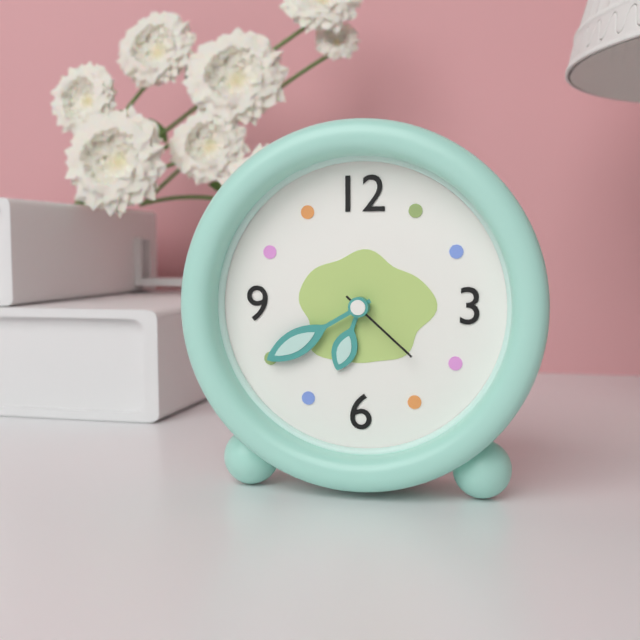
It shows 6h40m22s
